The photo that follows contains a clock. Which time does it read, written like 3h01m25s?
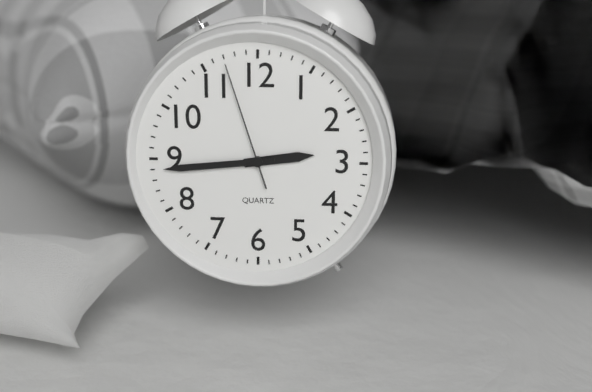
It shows 2h44m57s
